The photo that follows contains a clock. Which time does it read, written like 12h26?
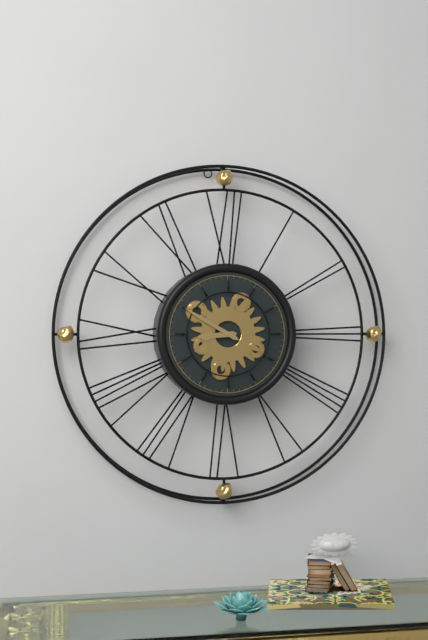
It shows 8h50
